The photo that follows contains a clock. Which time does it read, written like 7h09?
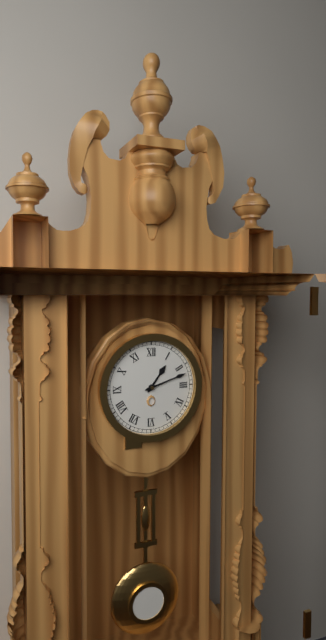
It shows 1h12
